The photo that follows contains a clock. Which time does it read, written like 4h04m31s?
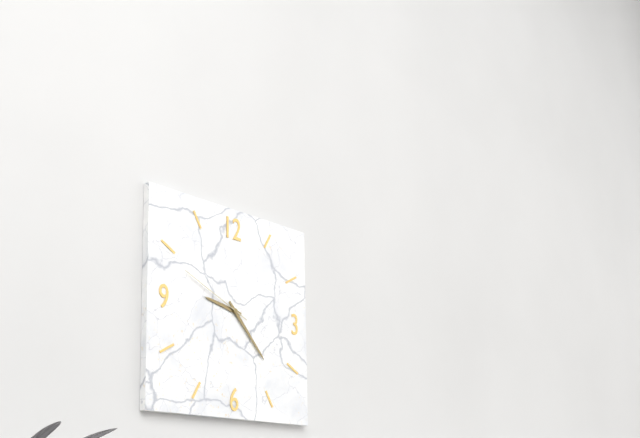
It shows 9h23m49s
